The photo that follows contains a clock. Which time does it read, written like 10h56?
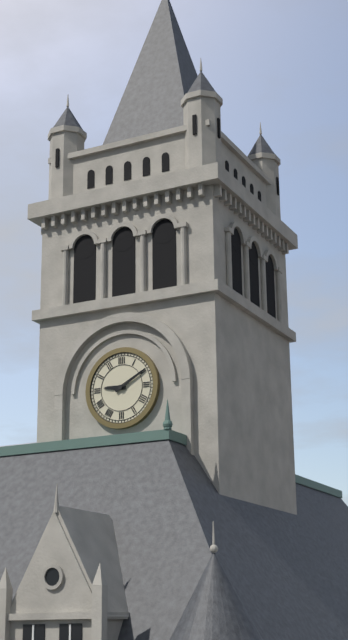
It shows 9h10
